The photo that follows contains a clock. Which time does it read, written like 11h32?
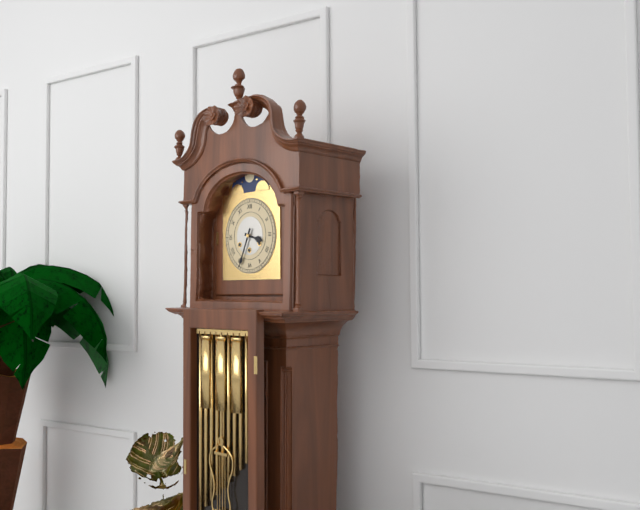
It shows 3h34
